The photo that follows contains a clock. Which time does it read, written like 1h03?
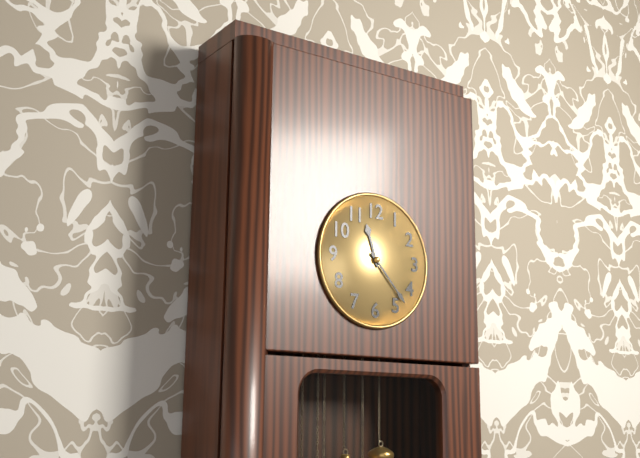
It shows 11h23
